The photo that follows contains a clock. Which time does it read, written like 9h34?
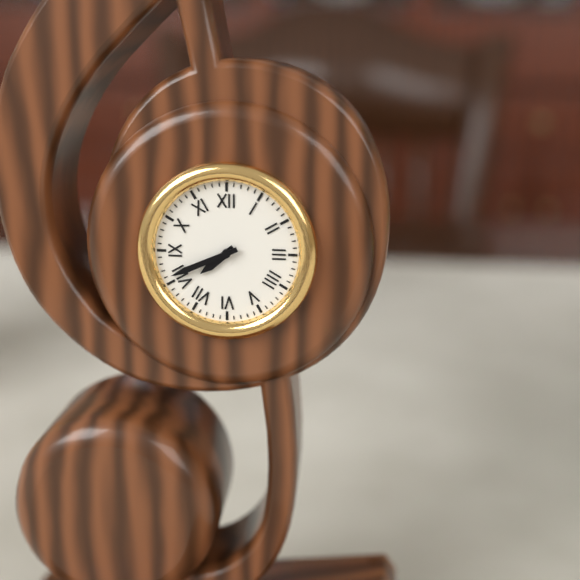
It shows 7h41
